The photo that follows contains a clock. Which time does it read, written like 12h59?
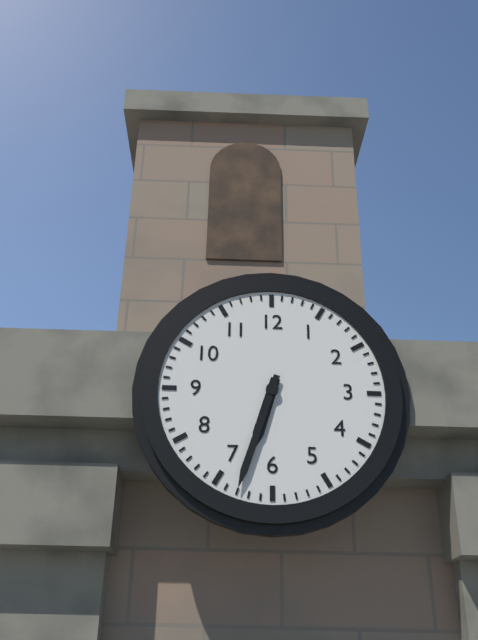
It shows 6h33
